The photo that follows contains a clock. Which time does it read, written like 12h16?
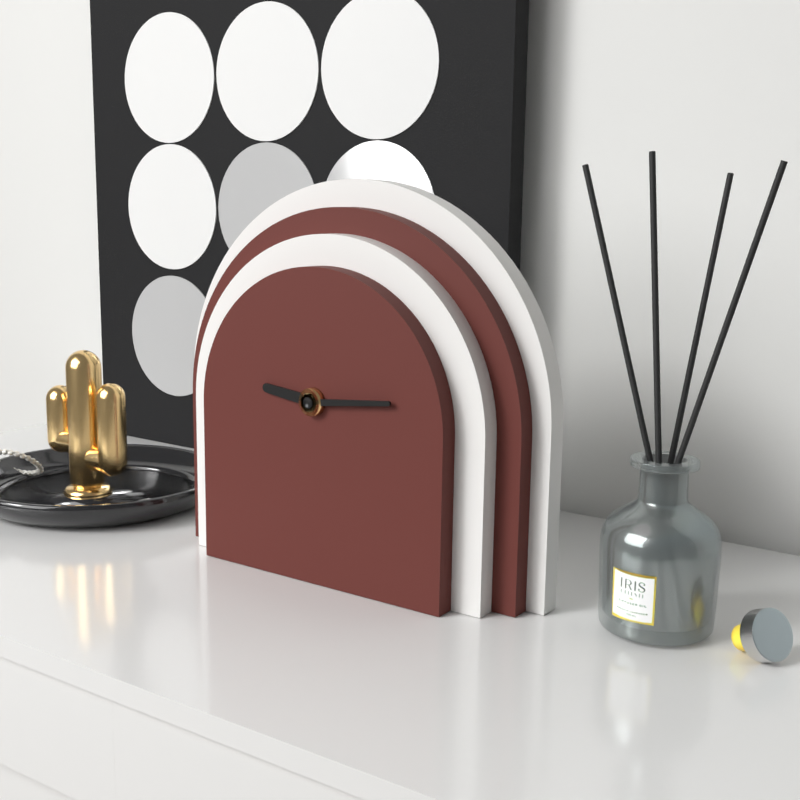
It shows 9h14
